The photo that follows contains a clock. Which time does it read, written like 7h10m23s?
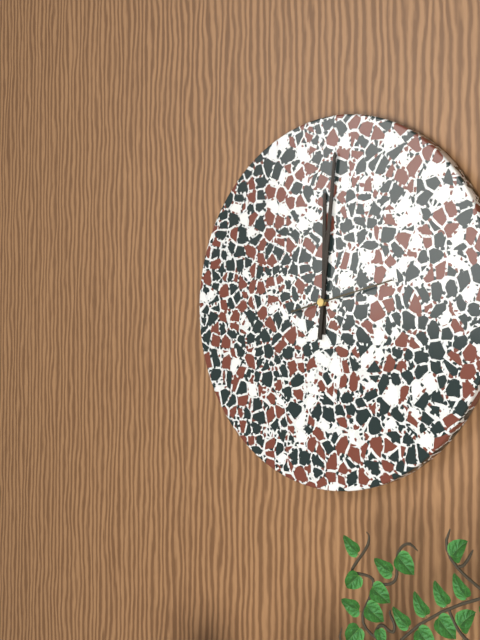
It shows 12h01m13s
